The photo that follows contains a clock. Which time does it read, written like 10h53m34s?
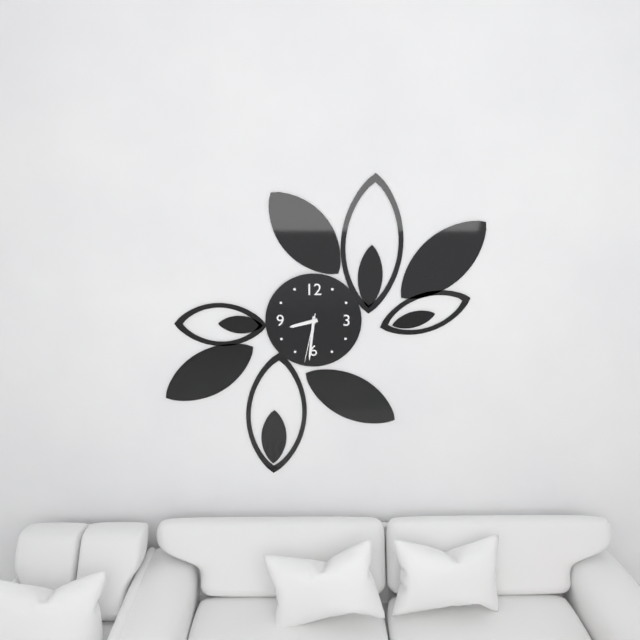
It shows 8h31m32s
